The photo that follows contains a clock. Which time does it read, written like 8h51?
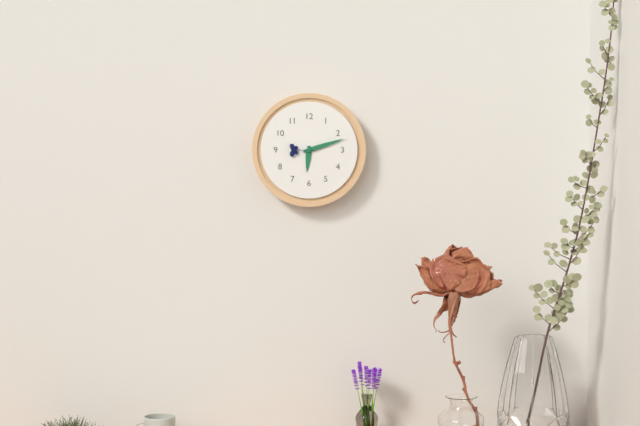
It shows 6h12
